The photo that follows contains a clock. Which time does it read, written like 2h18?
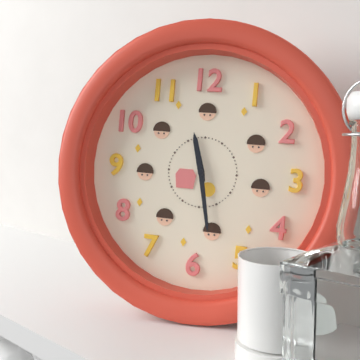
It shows 11h28
